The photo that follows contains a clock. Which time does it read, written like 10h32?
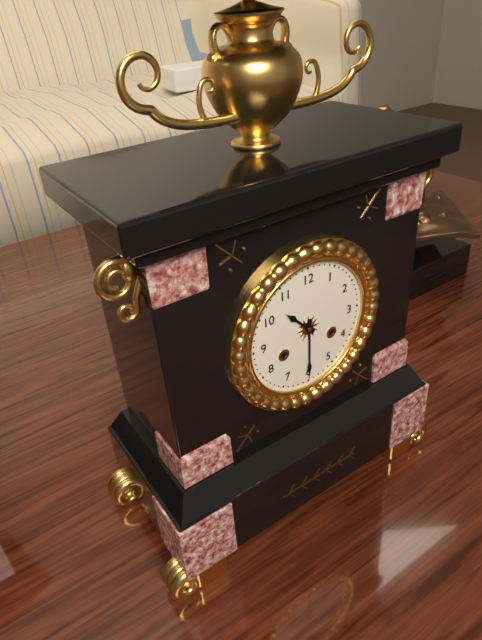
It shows 10h30
